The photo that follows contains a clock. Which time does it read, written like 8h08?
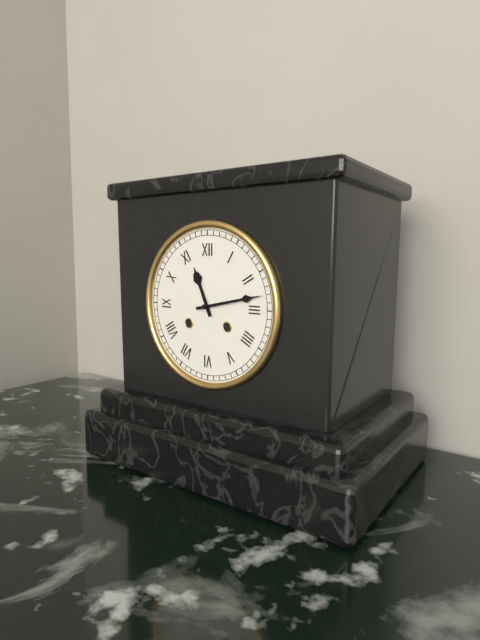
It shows 11h13
